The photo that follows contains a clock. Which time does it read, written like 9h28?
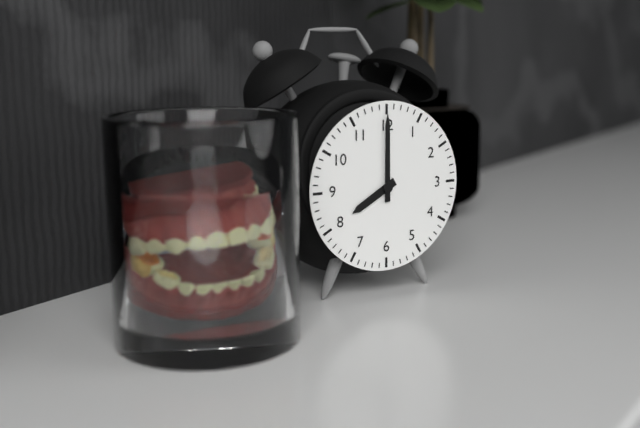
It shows 8h00
